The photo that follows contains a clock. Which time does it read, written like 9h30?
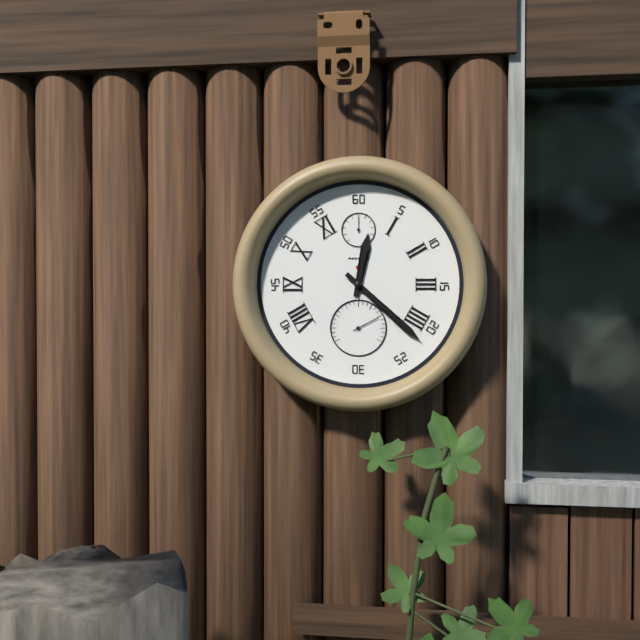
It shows 12h22
